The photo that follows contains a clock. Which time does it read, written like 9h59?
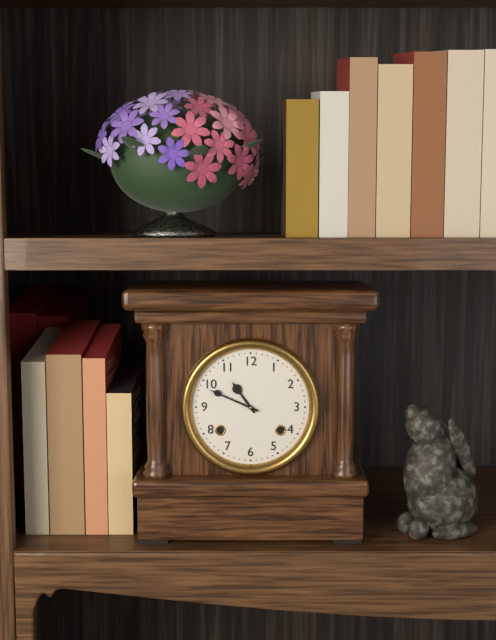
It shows 10h49
